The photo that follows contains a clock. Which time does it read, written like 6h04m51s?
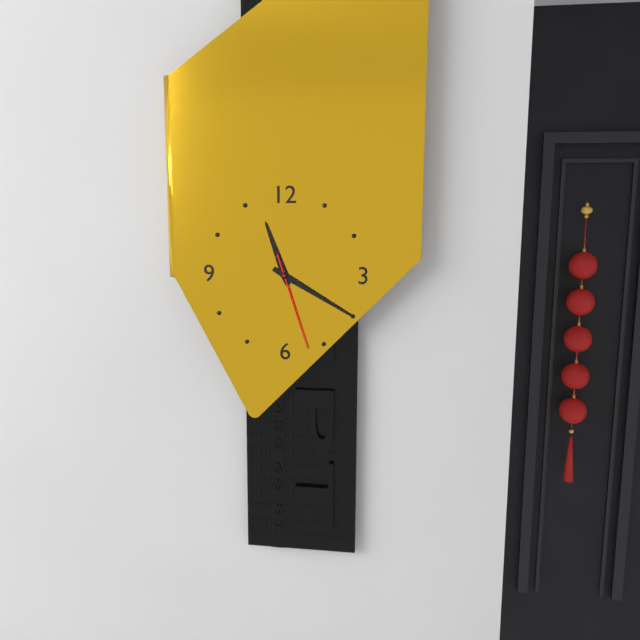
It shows 11h20m27s
